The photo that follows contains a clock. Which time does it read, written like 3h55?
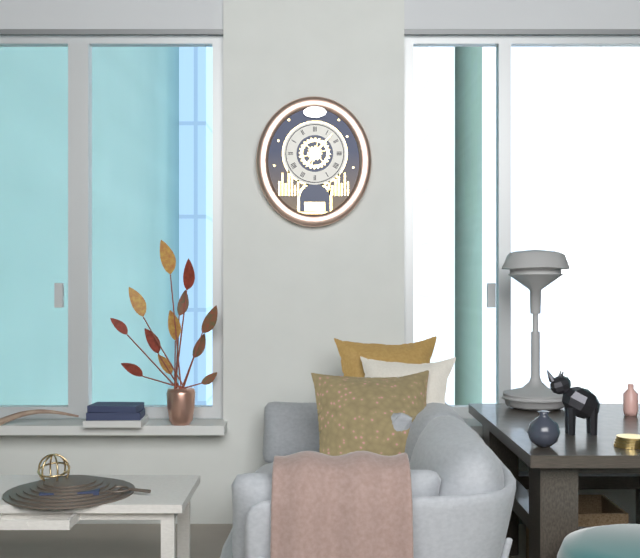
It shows 7h07
